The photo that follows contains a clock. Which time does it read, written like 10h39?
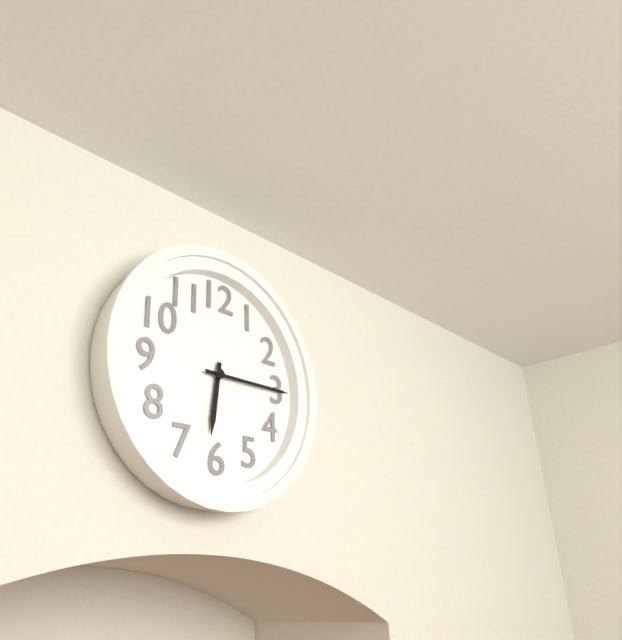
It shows 6h15
